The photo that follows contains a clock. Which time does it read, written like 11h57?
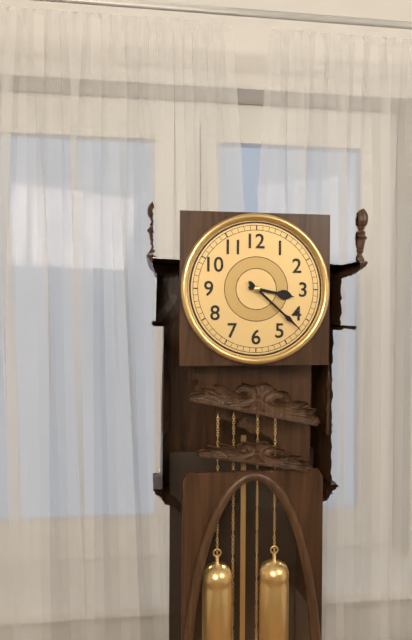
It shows 3h22
